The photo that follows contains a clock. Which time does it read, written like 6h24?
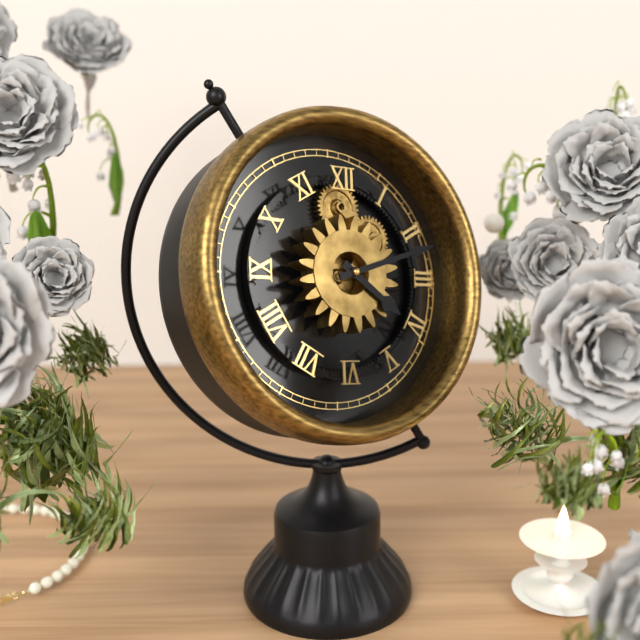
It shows 4h12
